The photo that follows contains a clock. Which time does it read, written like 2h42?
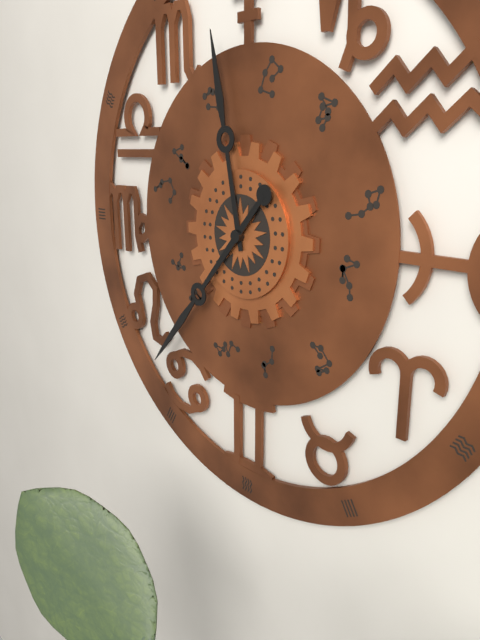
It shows 11h37
